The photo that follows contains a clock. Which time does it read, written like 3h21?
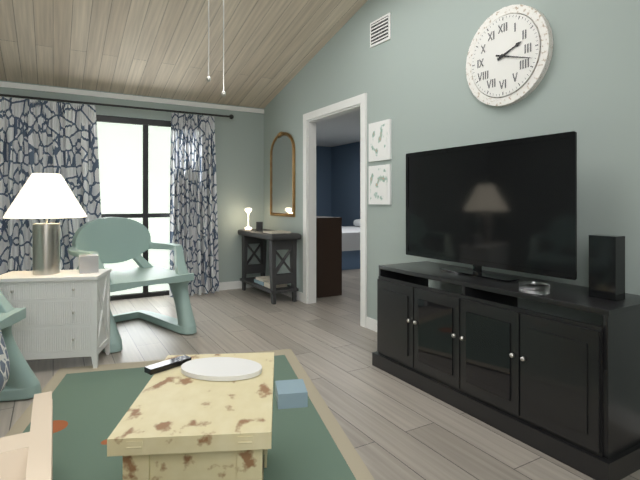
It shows 2h18
